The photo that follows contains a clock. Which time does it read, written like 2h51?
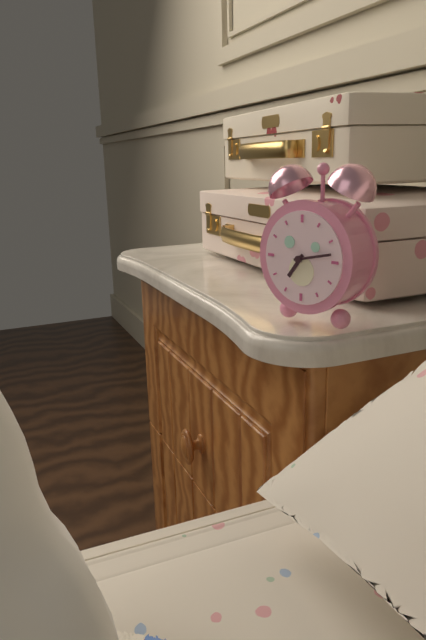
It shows 7h13
